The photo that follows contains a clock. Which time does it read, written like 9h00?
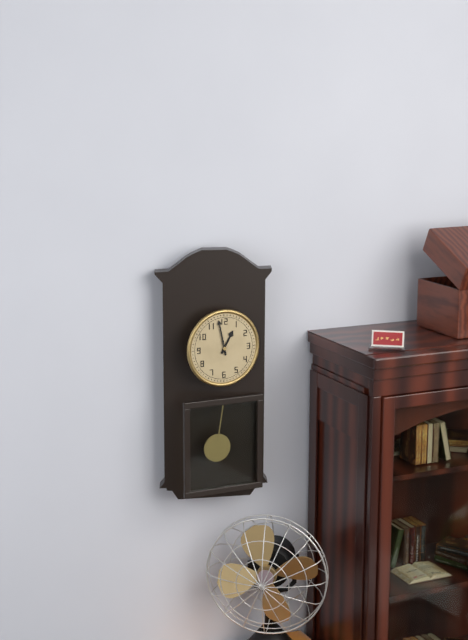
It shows 12h58
